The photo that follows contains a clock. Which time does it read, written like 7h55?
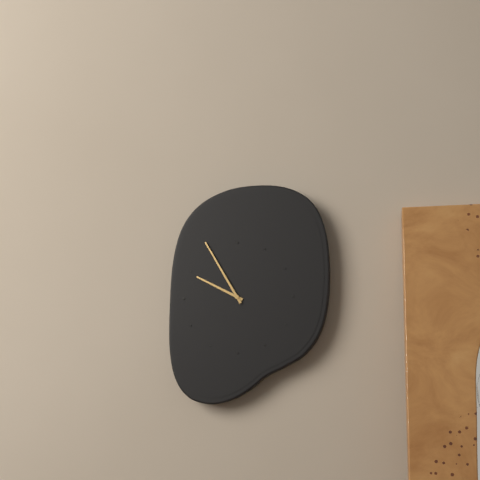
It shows 9h55
